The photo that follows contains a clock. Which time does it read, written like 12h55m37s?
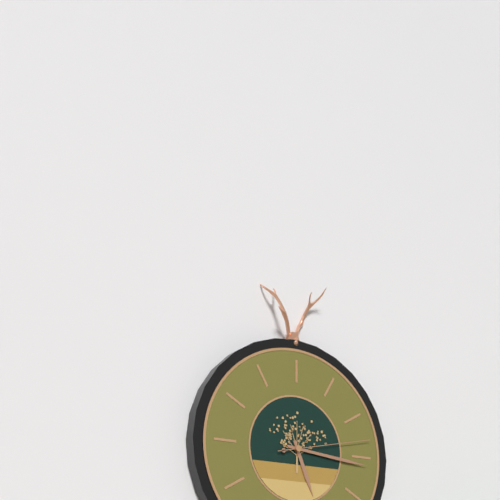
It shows 5h16m13s
